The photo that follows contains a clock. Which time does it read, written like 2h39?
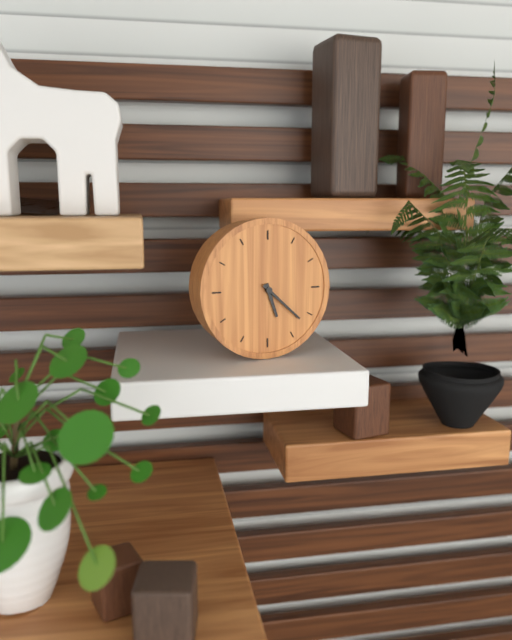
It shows 5h22
